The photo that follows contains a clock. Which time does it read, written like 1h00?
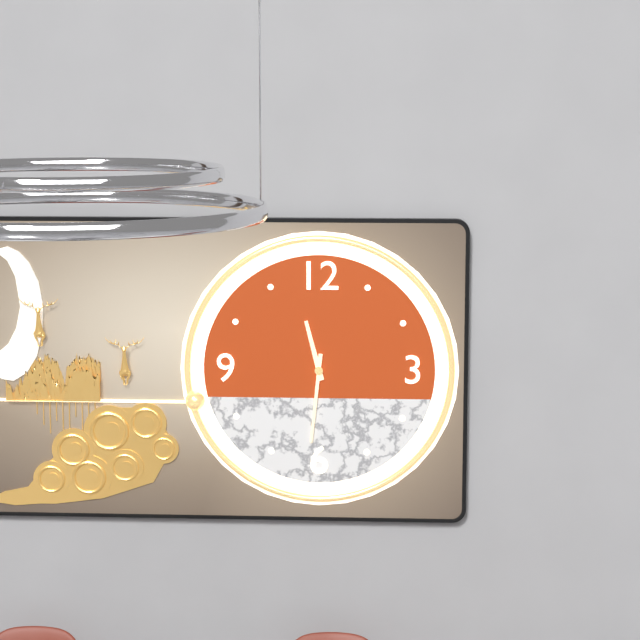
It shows 11h31
